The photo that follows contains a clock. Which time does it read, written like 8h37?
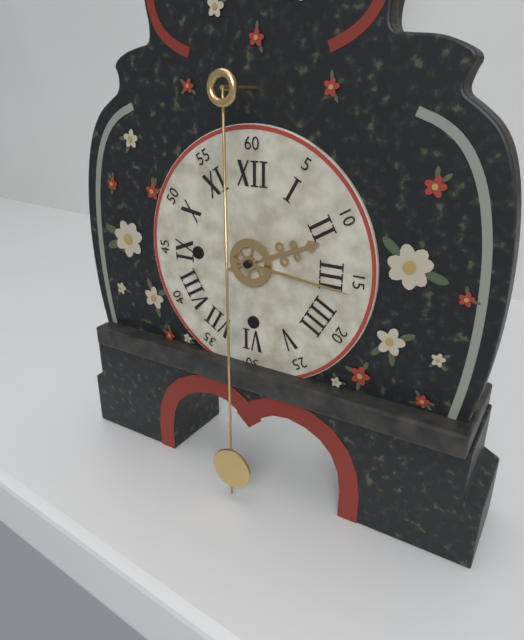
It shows 2h16
